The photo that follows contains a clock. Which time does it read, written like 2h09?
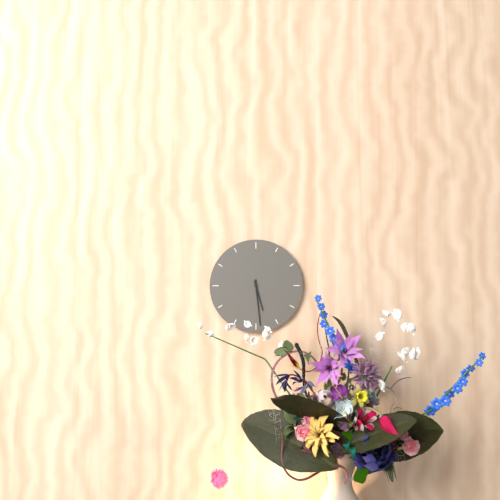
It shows 5h29
